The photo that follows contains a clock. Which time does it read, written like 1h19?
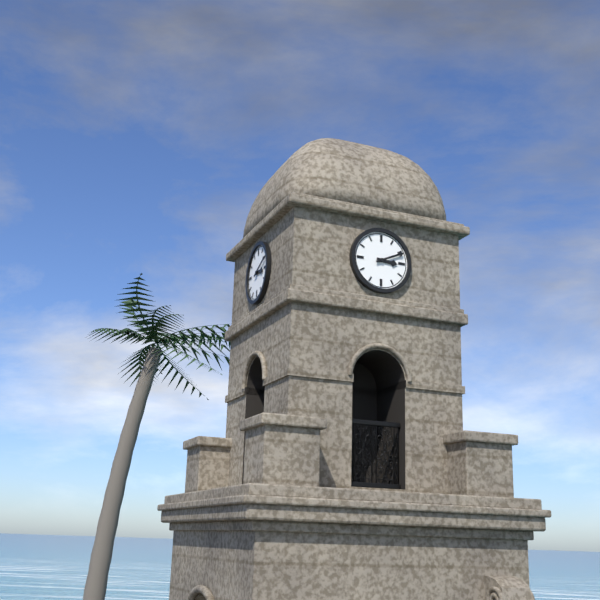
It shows 3h11
